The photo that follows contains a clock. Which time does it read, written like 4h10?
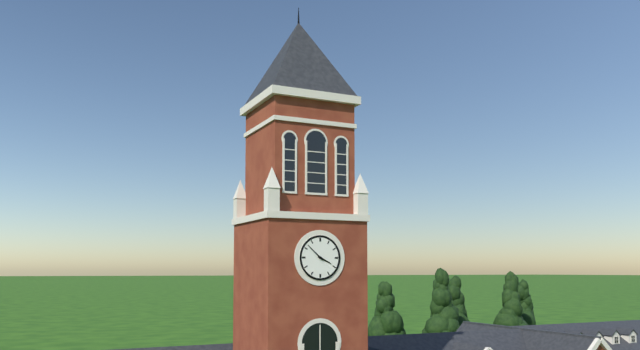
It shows 3h52
